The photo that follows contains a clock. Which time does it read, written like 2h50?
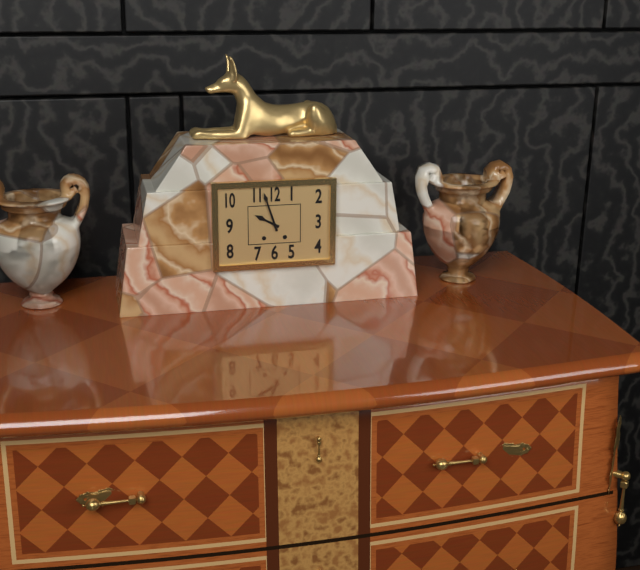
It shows 9h57
